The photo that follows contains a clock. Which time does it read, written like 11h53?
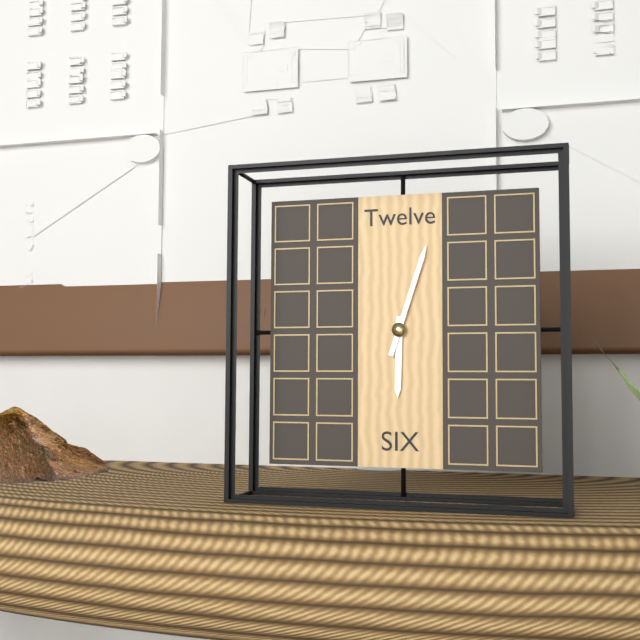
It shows 6h03
